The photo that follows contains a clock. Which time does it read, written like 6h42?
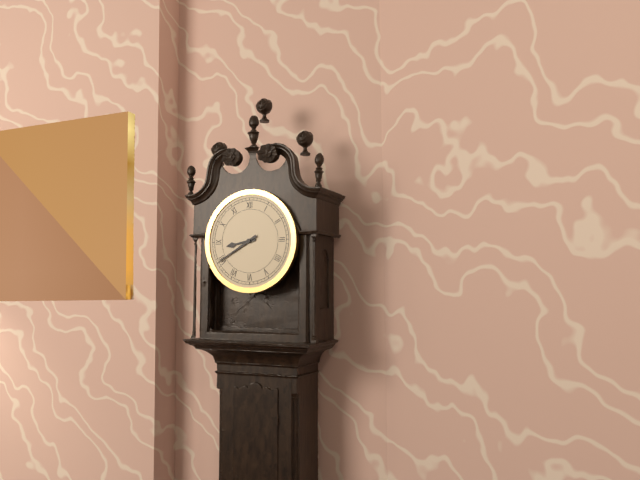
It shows 8h40
